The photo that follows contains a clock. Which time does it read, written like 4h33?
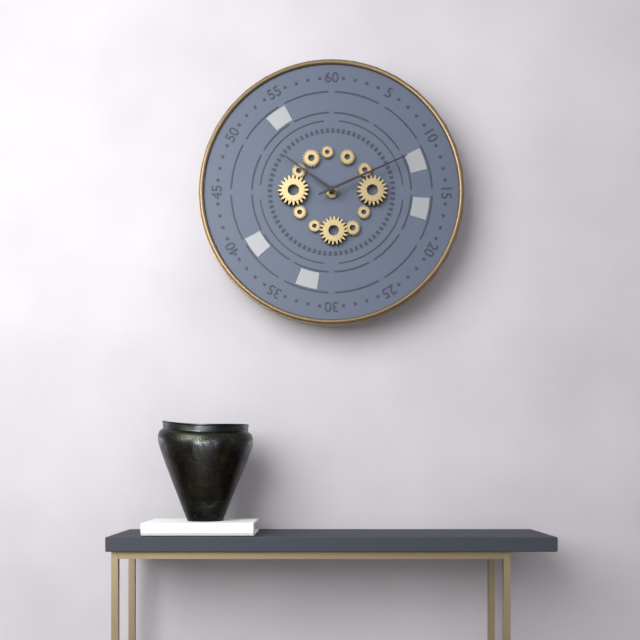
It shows 10h11
